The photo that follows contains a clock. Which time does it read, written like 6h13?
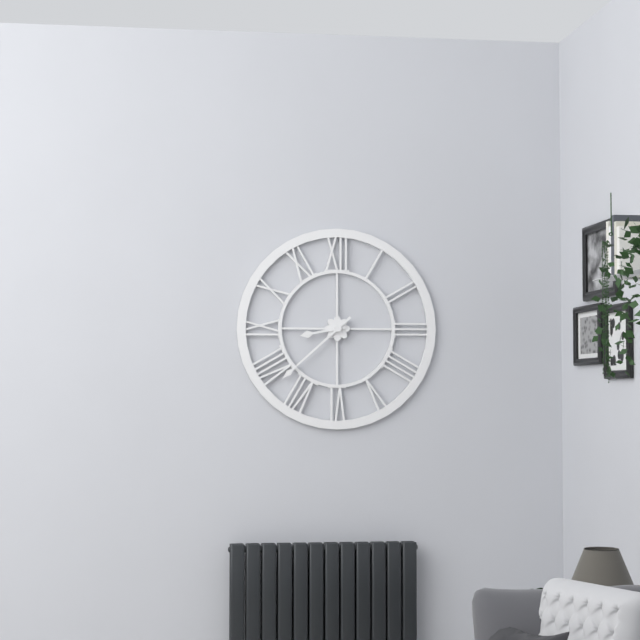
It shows 8h38
